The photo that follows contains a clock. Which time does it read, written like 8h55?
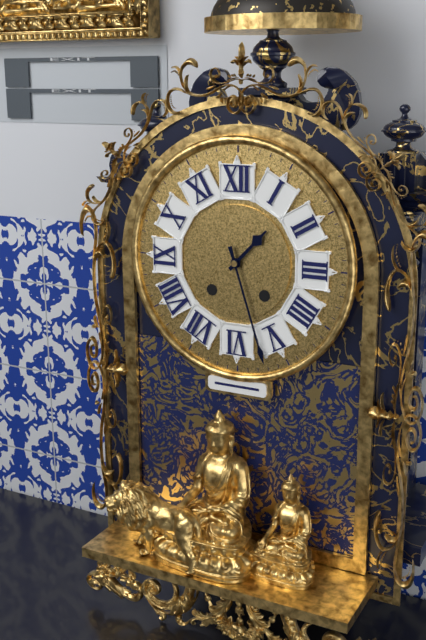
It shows 1h27
